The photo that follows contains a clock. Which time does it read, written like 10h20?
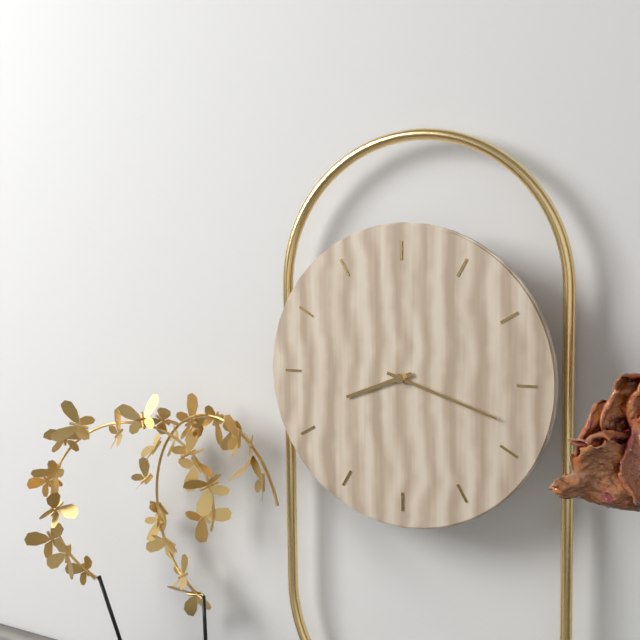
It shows 8h18
